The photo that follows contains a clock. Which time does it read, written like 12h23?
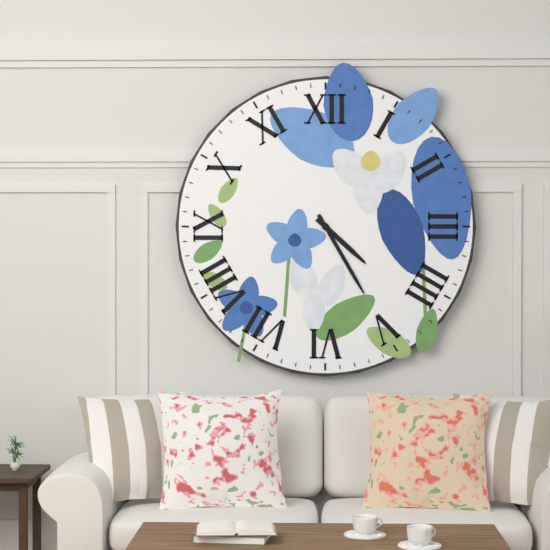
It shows 4h25
